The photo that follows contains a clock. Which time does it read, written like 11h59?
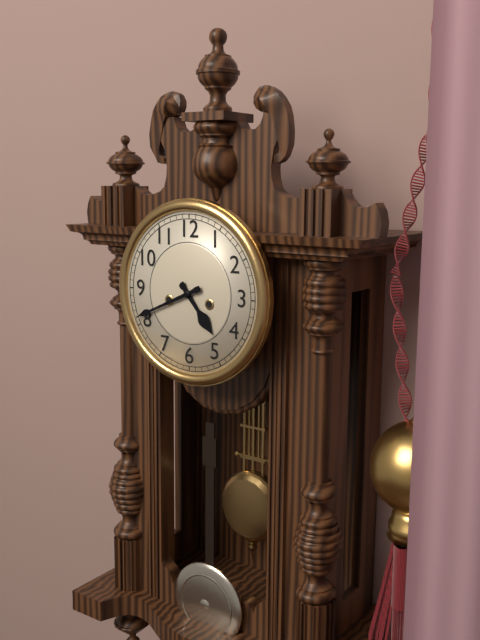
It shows 4h41
